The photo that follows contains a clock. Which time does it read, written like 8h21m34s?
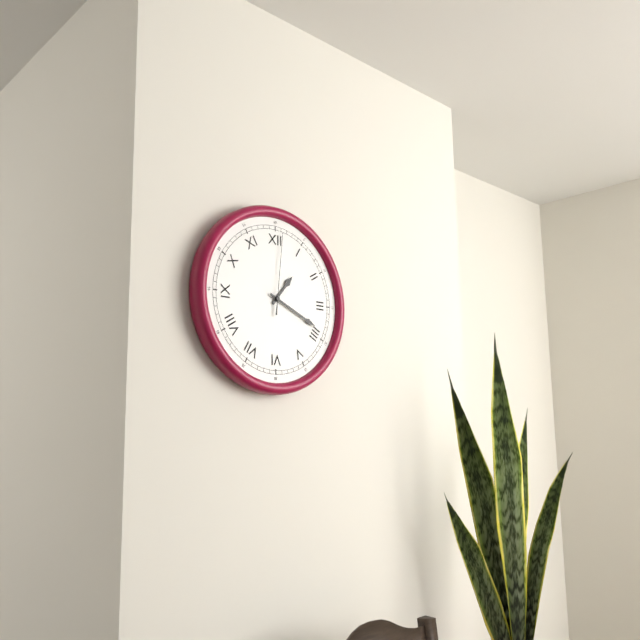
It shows 1h19m01s
